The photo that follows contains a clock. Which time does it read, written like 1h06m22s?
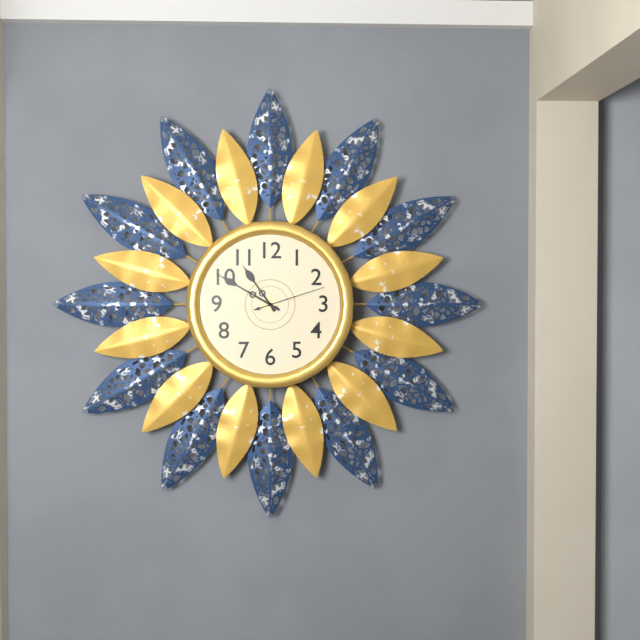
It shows 10h50m12s
